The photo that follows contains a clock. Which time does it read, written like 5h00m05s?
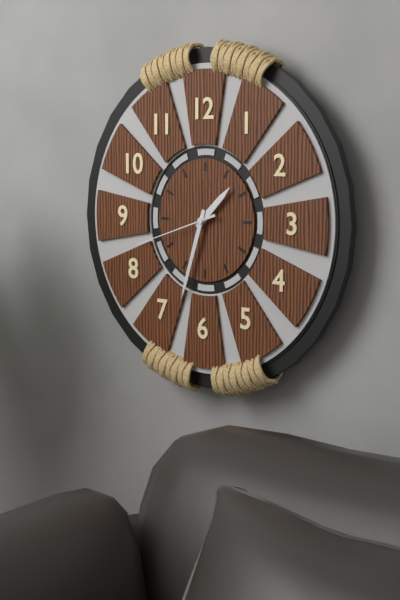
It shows 1h33m42s
